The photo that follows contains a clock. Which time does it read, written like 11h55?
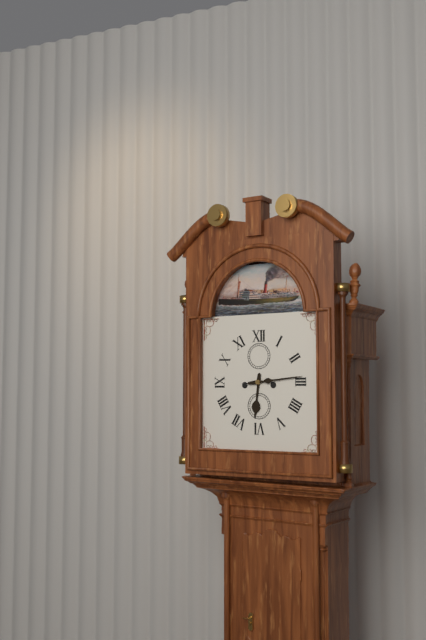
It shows 6h14
